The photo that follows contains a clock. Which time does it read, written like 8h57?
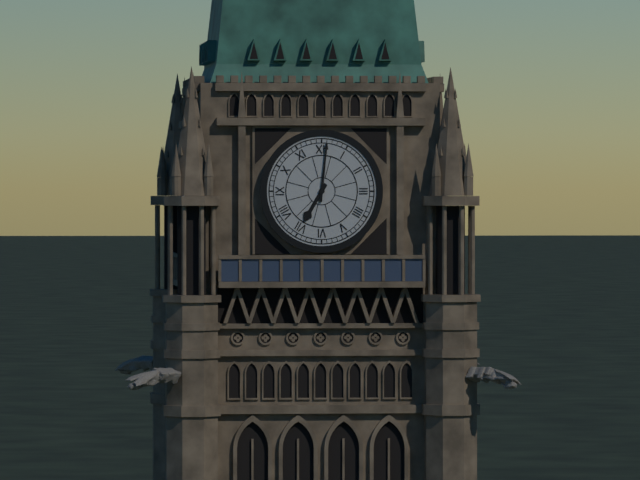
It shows 7h01
